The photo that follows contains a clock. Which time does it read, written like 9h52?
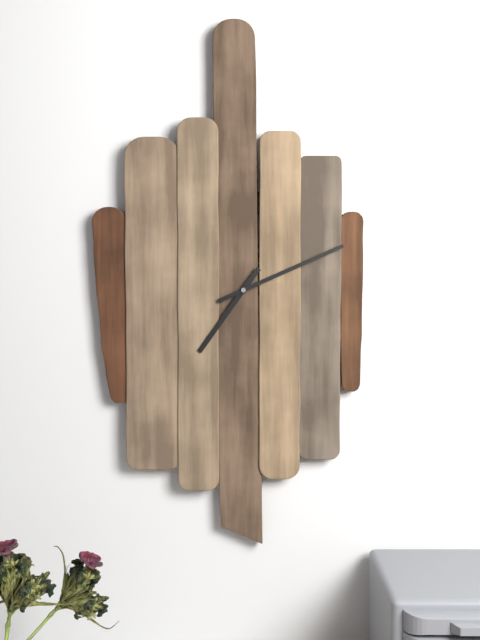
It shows 7h11
